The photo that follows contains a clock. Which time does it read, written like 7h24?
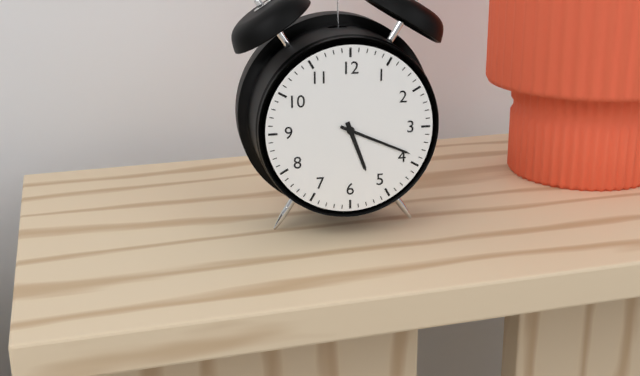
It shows 5h19
